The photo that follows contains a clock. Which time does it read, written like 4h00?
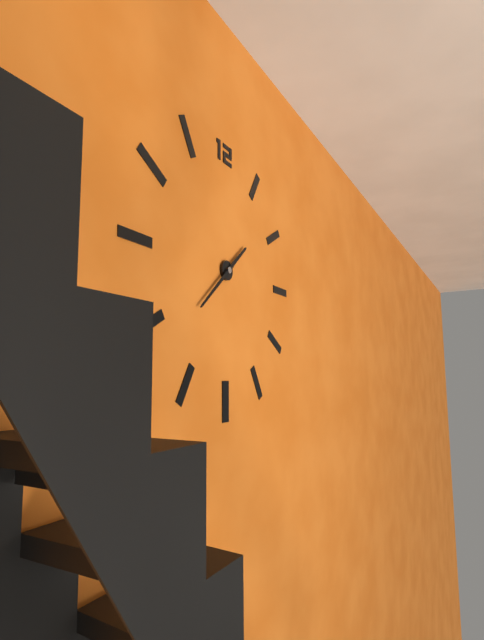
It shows 1h38
